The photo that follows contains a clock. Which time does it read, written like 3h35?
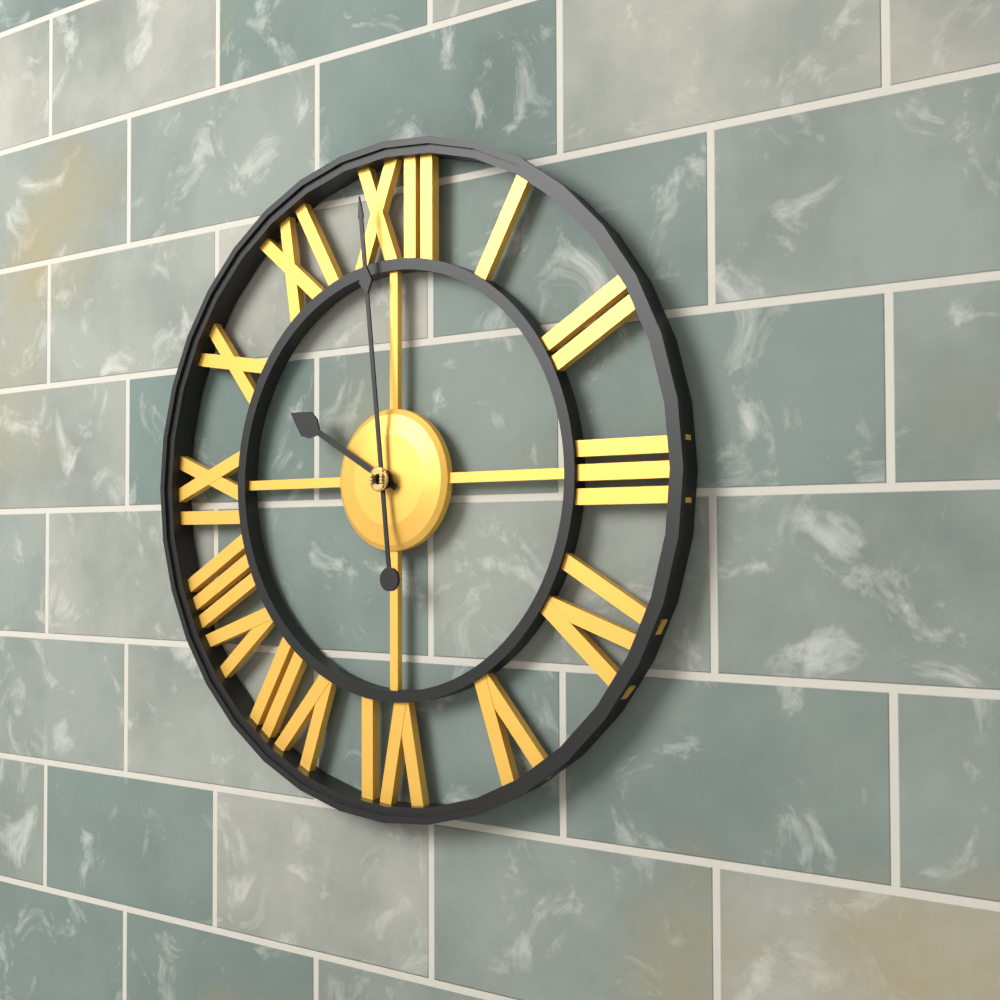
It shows 9h59
